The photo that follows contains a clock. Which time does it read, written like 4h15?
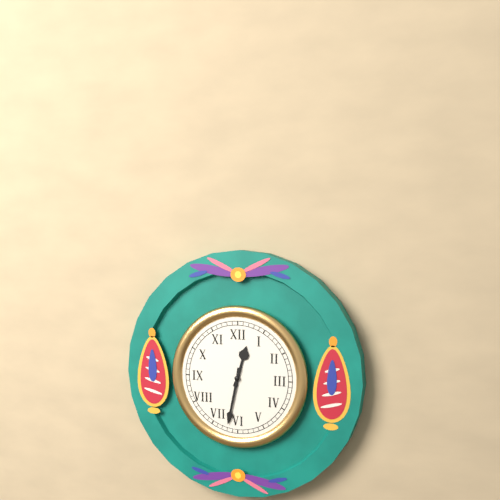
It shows 12h32
